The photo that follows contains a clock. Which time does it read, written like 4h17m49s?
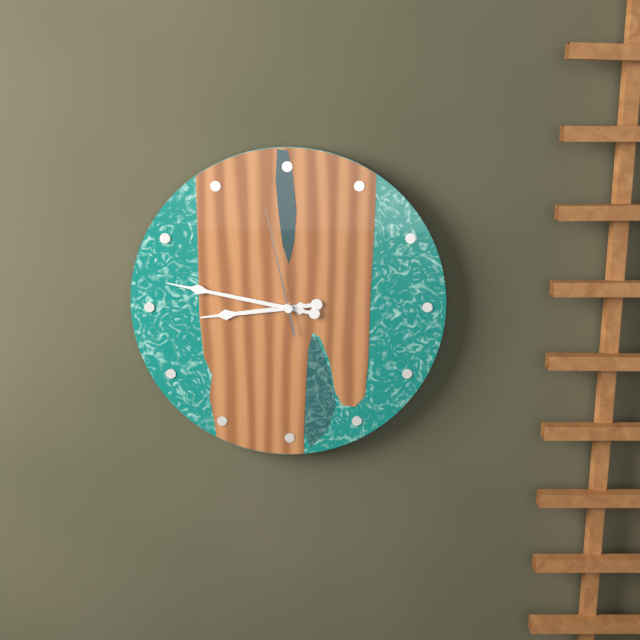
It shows 8h47m58s
